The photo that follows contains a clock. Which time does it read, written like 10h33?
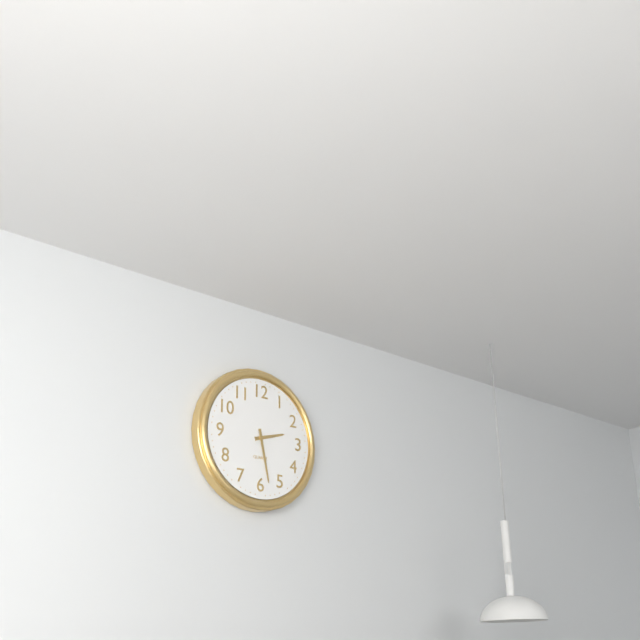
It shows 2h28
